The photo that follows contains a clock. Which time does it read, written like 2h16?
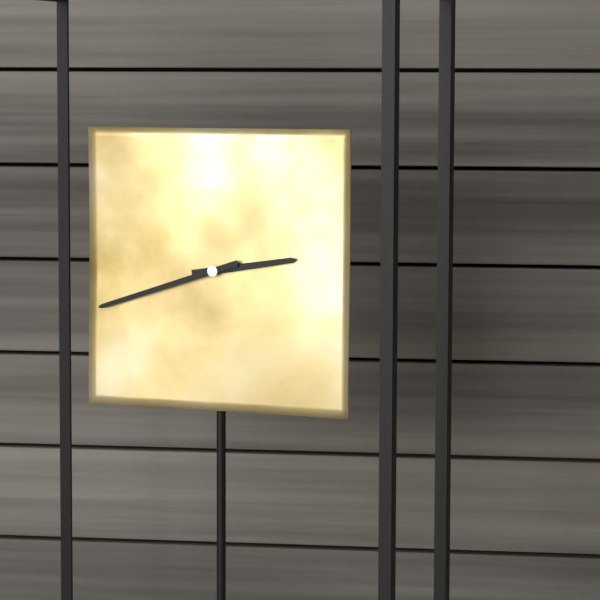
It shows 2h42
